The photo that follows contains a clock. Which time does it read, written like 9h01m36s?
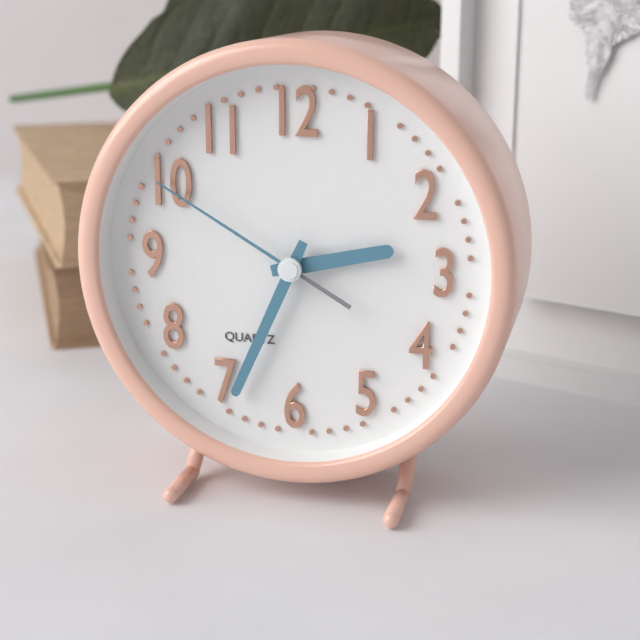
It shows 2h34m50s
